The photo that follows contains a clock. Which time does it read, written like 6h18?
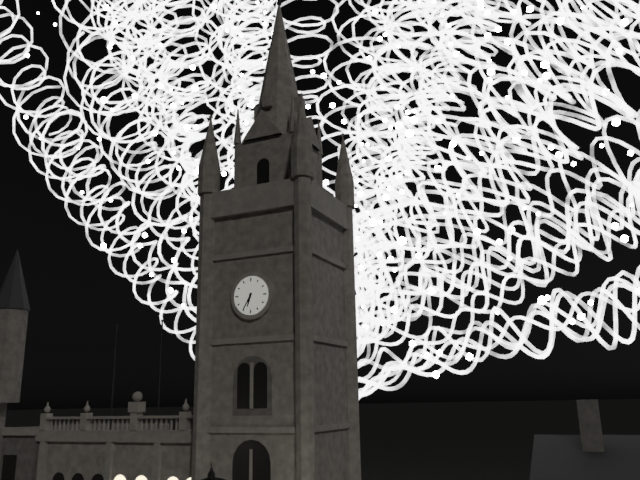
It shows 6h35
